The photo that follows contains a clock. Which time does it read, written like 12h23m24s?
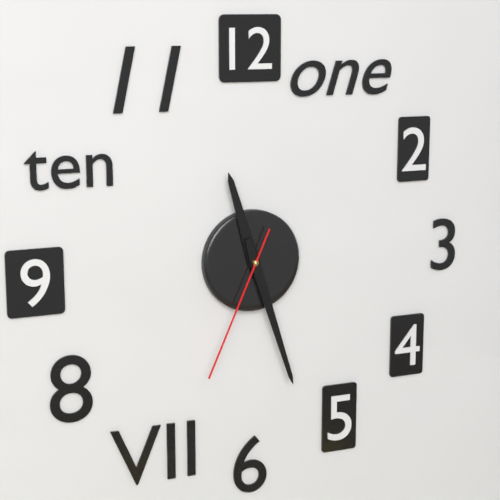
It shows 11h27m34s
